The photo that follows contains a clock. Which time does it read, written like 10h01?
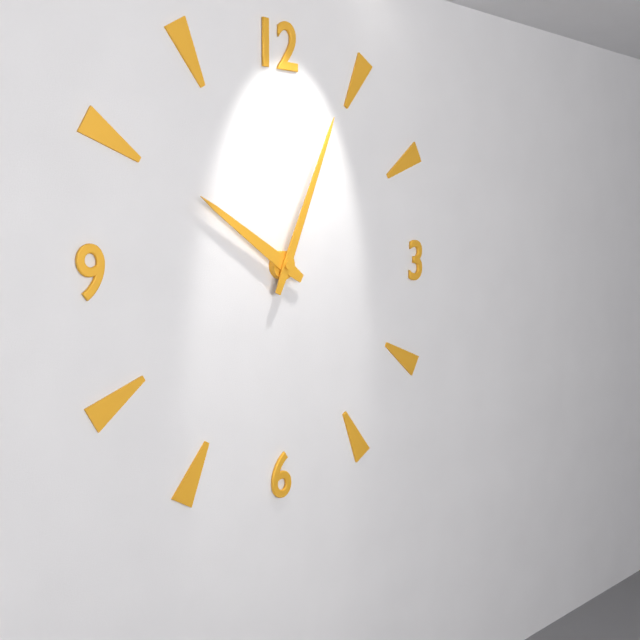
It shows 10h04
